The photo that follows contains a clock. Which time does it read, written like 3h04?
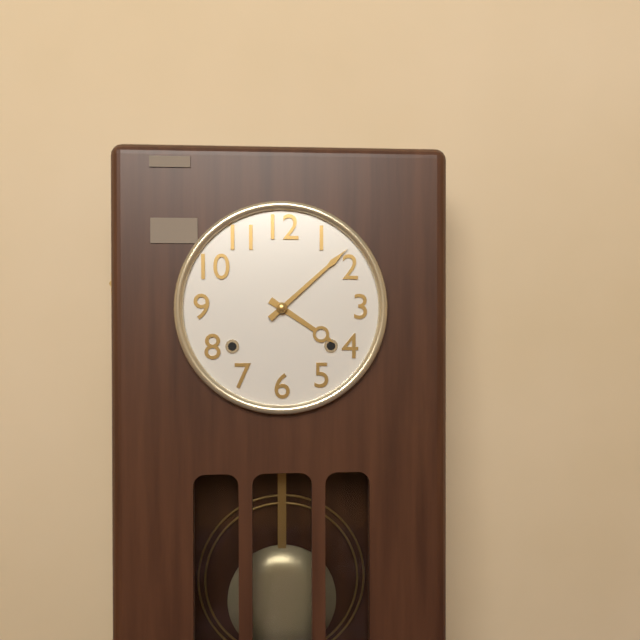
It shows 4h08
